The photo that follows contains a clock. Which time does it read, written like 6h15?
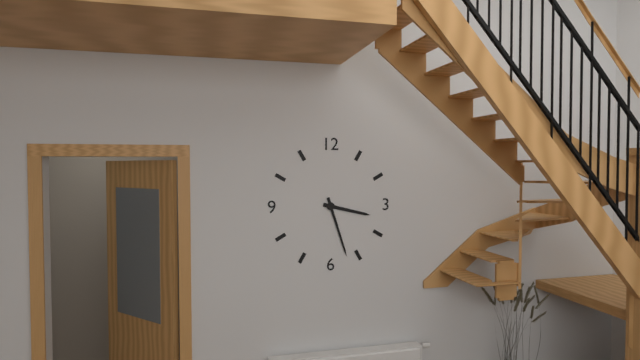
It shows 3h27
